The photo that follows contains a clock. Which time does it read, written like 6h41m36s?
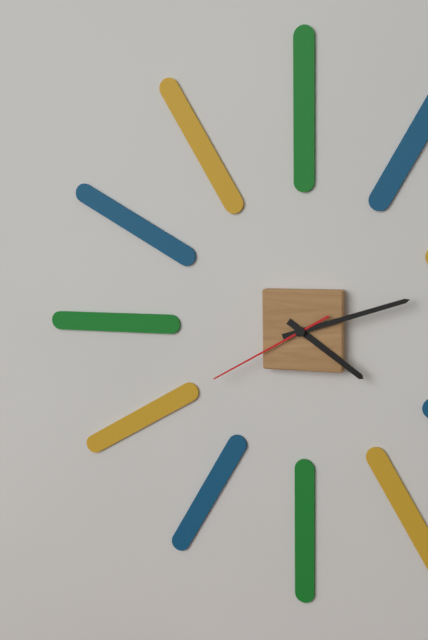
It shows 4h12m40s
